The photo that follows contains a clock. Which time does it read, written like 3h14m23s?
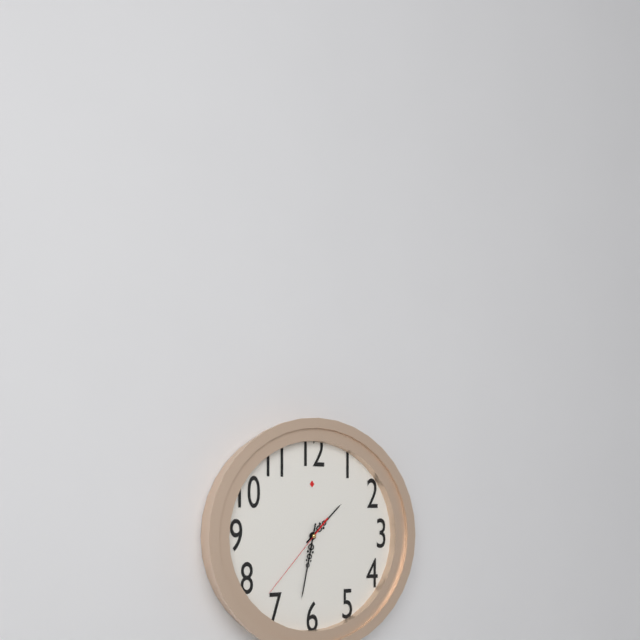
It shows 1h32m37s
